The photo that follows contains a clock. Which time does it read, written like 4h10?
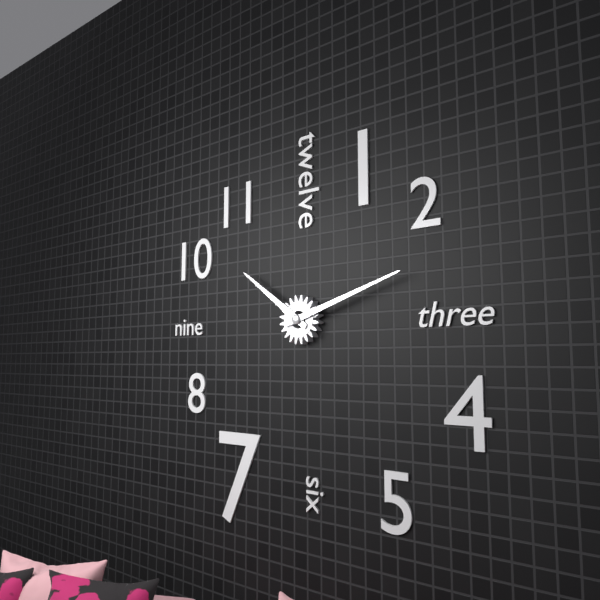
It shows 10h12
